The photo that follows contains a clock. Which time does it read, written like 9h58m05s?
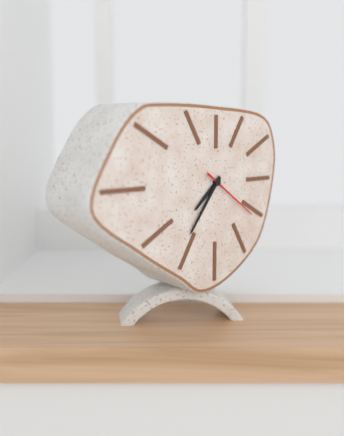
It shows 7h36m21s
